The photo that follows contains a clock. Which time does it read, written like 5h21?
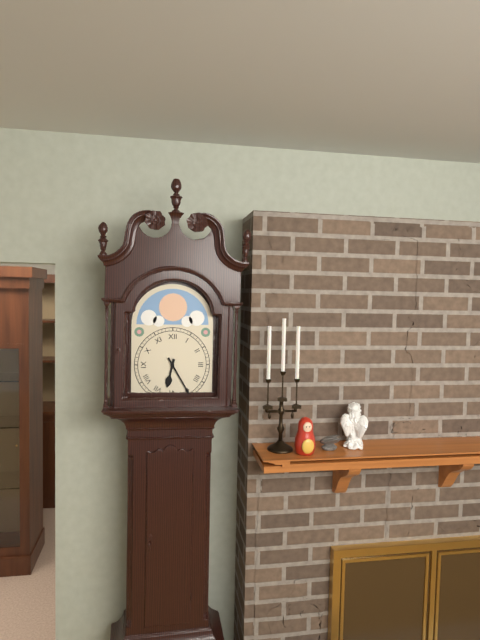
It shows 6h25
